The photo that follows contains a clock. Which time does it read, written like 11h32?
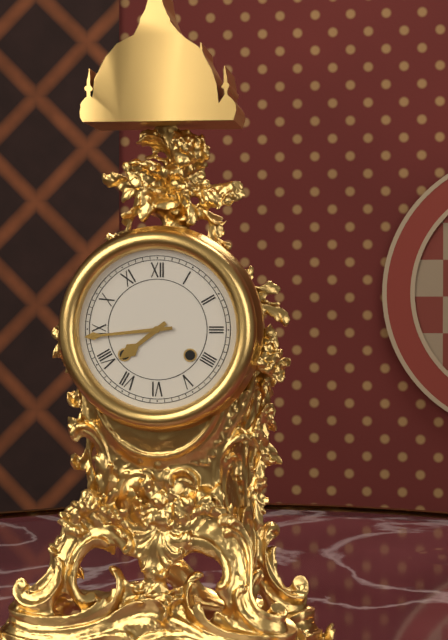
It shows 7h44
